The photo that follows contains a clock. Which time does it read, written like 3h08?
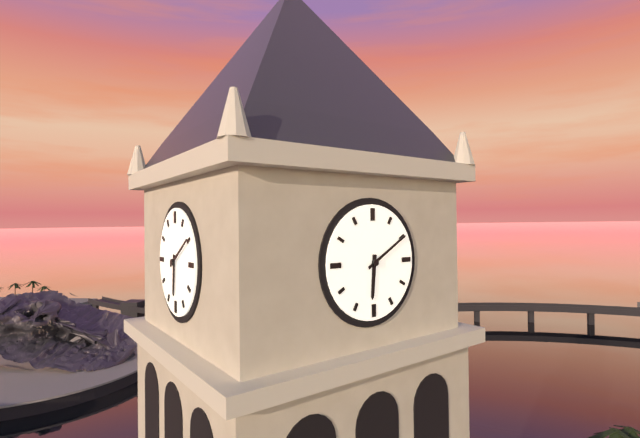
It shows 6h10
